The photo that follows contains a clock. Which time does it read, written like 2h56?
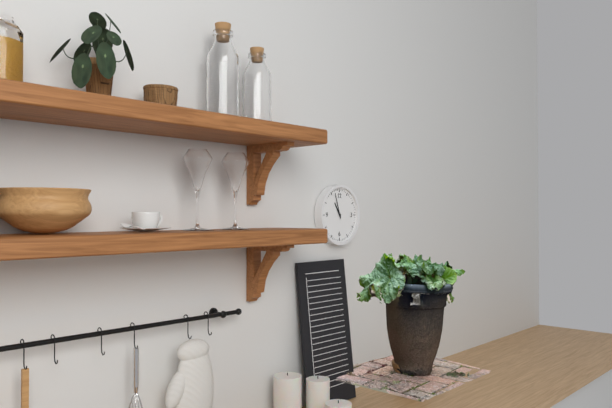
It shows 10h57
